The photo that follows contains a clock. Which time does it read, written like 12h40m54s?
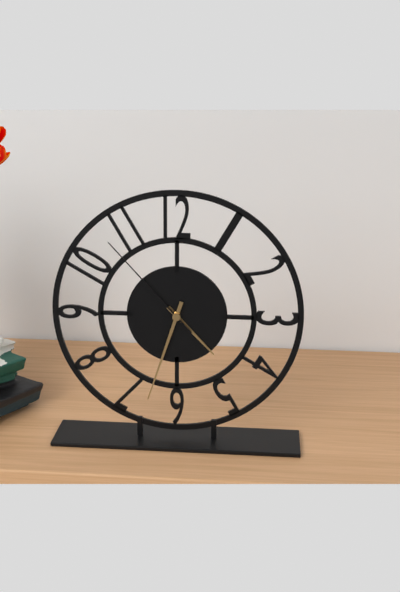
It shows 4h33m53s
